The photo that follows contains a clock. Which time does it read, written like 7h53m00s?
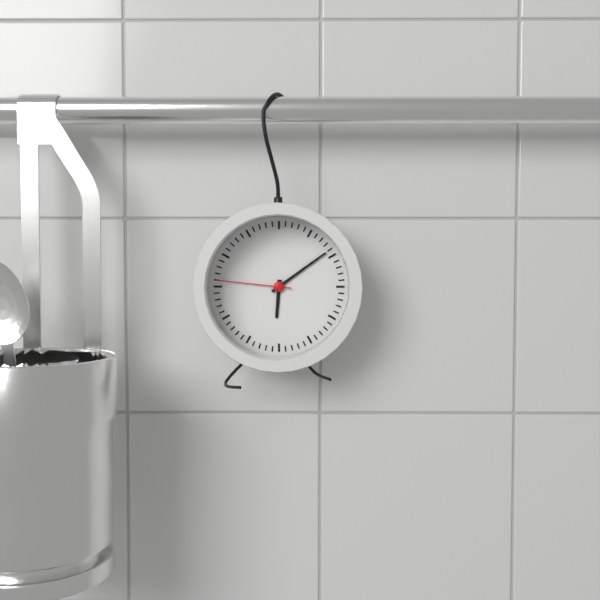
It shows 6h09m46s
